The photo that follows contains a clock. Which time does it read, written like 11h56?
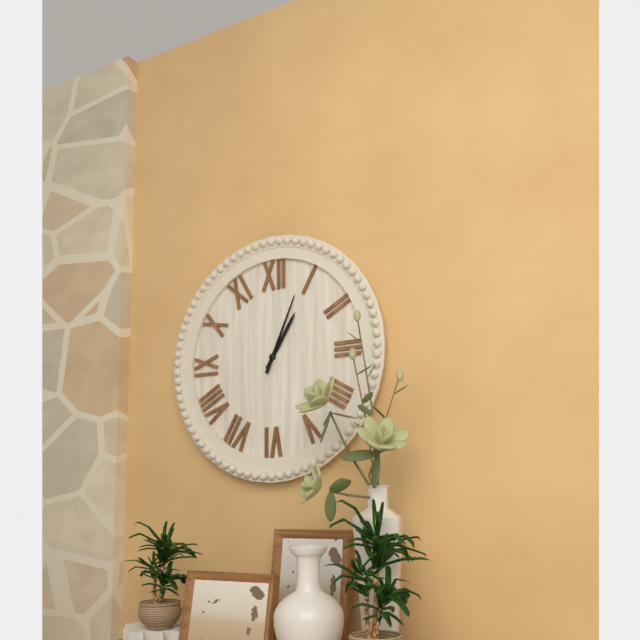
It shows 1h04
